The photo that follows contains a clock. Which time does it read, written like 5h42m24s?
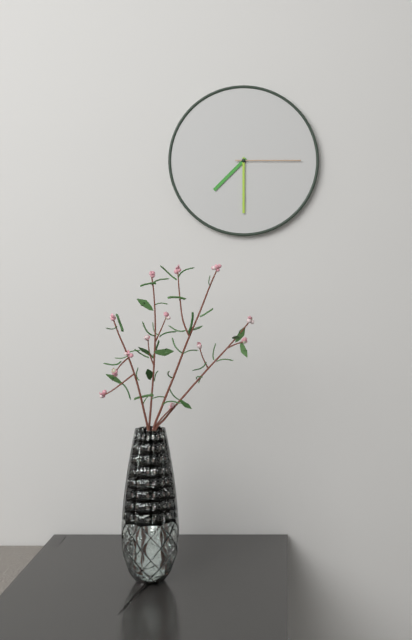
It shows 7h30m15s
